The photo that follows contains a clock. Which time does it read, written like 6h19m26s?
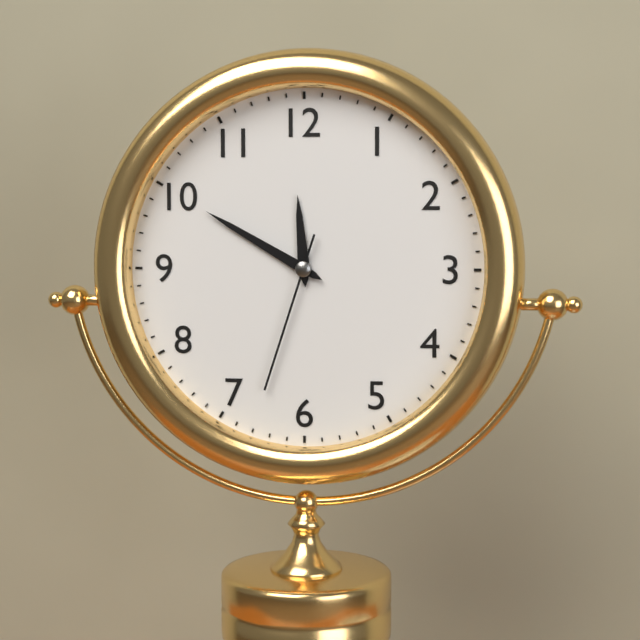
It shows 11h50m33s
